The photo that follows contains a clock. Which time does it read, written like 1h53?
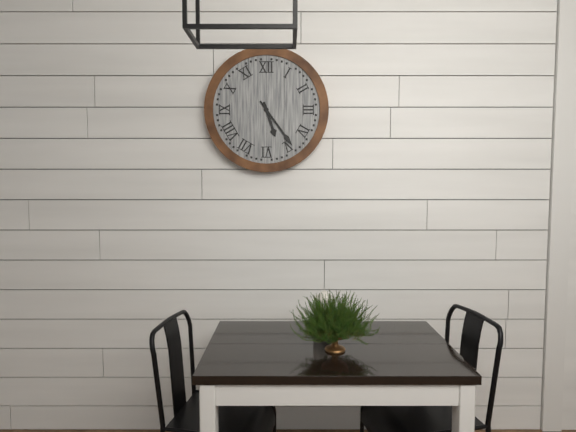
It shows 5h24
